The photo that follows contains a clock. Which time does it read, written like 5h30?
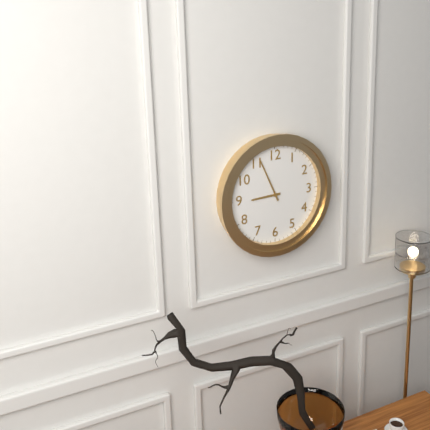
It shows 8h56
